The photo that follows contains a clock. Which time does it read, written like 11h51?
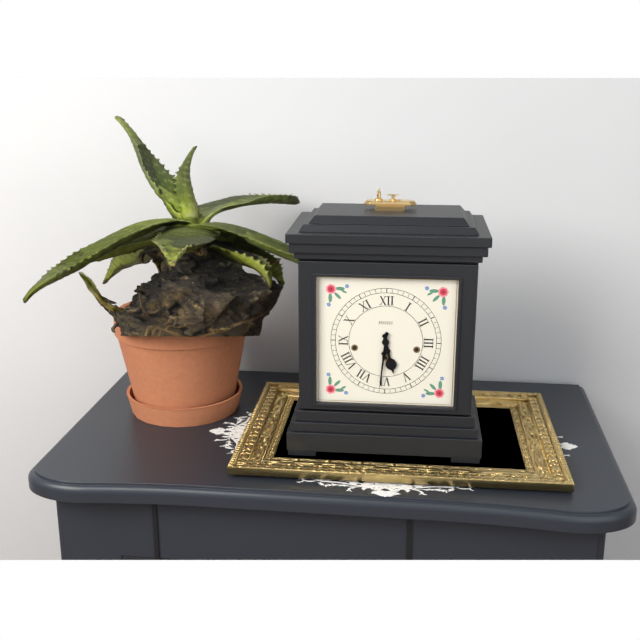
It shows 5h31
